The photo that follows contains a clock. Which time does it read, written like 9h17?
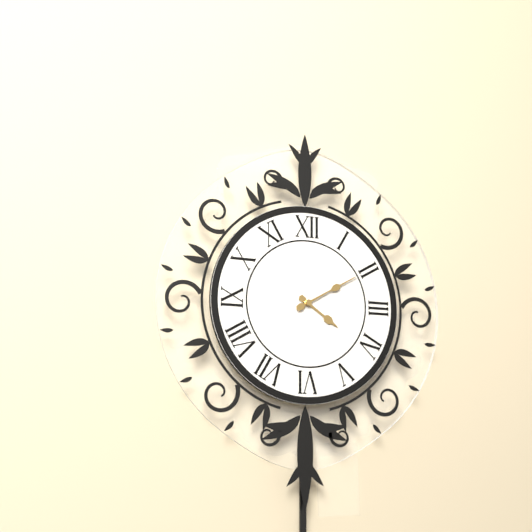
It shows 4h10
